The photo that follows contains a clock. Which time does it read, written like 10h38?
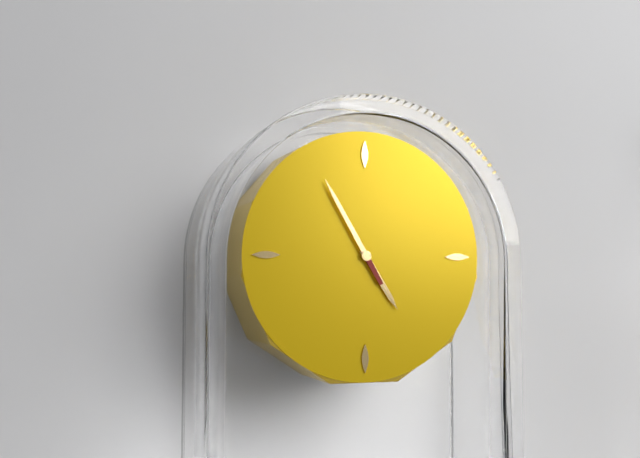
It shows 4h55
